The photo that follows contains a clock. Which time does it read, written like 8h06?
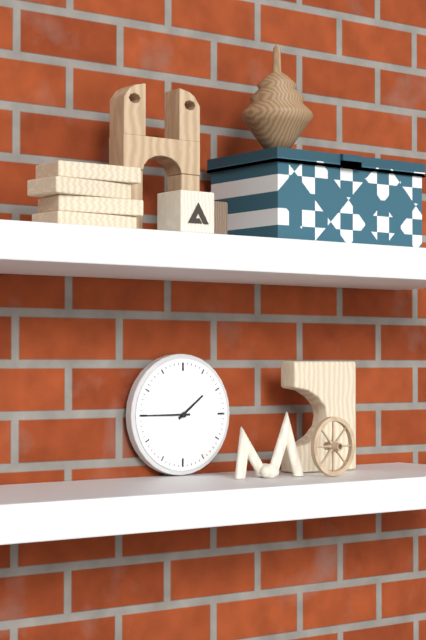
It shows 1h45
